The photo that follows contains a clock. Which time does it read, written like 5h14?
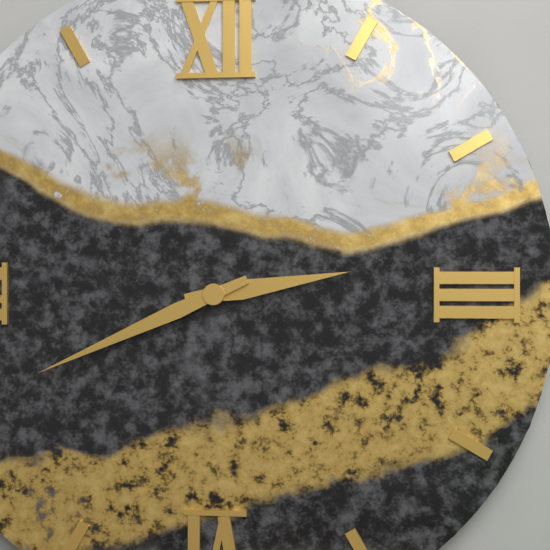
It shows 2h41
